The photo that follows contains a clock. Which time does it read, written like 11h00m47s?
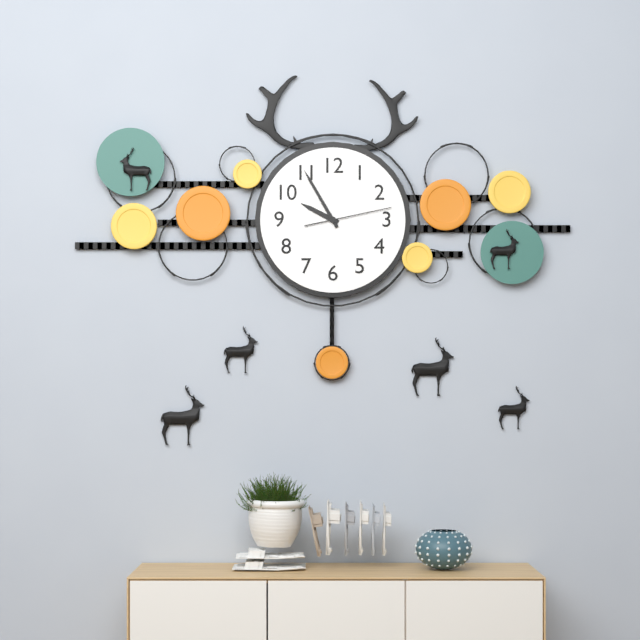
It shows 9h55m13s
